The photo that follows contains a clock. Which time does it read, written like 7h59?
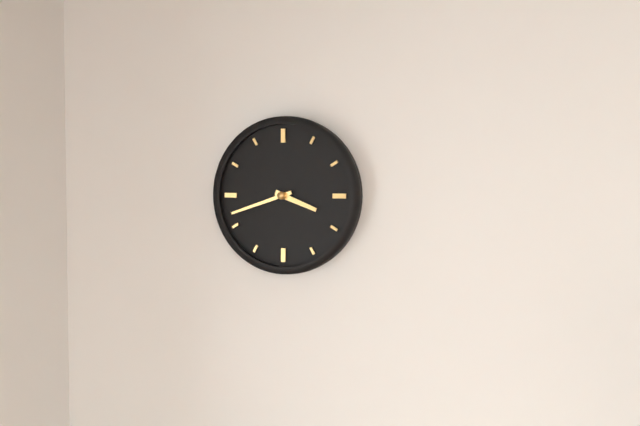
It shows 3h42
